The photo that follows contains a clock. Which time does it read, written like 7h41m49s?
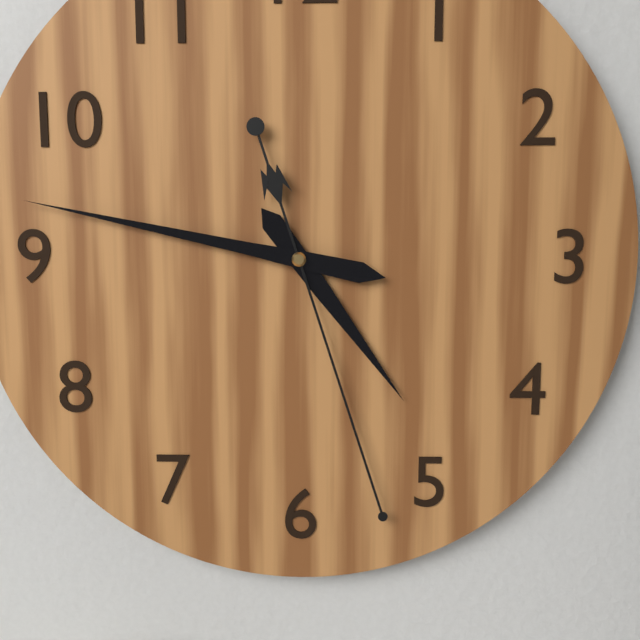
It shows 4h47m27s
